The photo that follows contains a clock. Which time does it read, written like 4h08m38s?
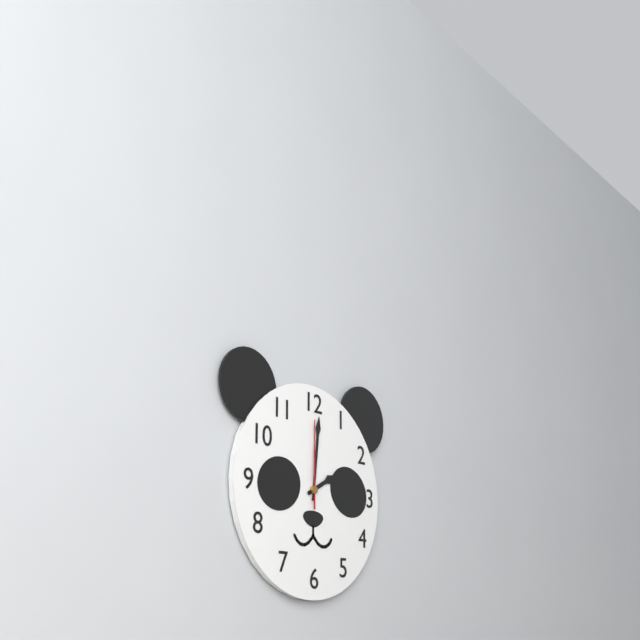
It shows 2h01m00s
